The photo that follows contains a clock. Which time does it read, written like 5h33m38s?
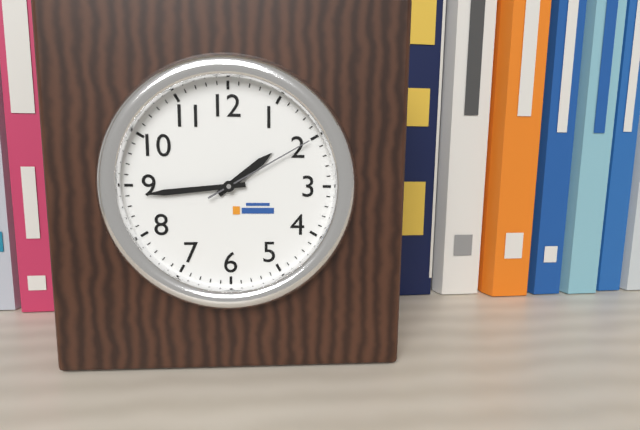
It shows 1h44m10s
